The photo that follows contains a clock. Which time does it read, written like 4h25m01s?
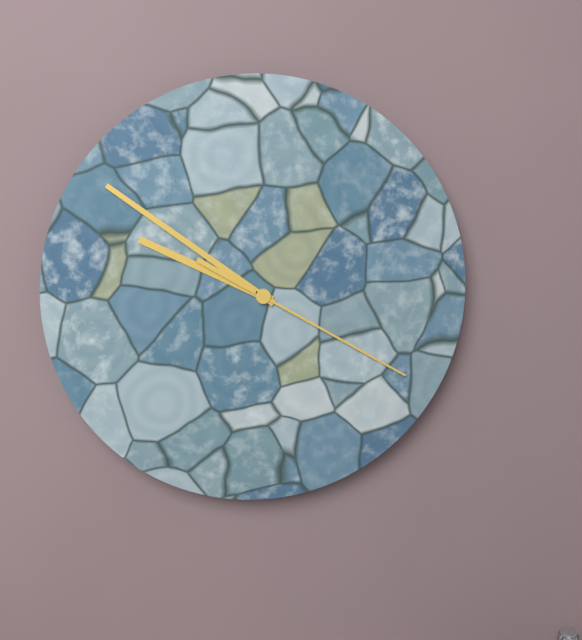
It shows 9h51m20s
